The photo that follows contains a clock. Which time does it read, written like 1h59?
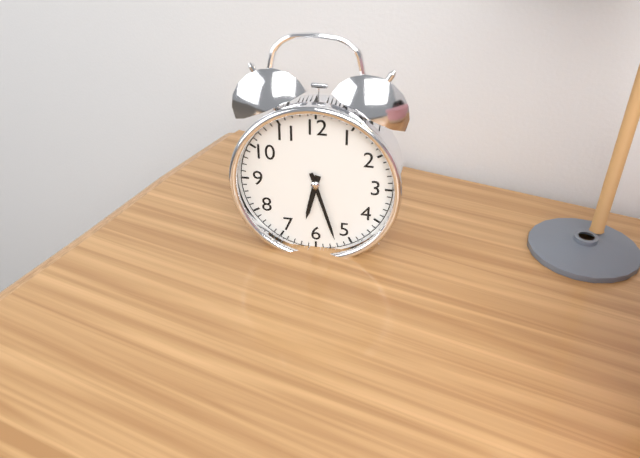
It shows 6h27
